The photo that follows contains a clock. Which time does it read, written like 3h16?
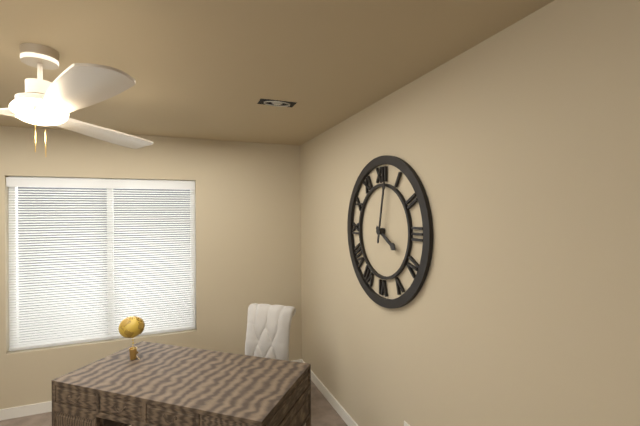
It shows 4h02
